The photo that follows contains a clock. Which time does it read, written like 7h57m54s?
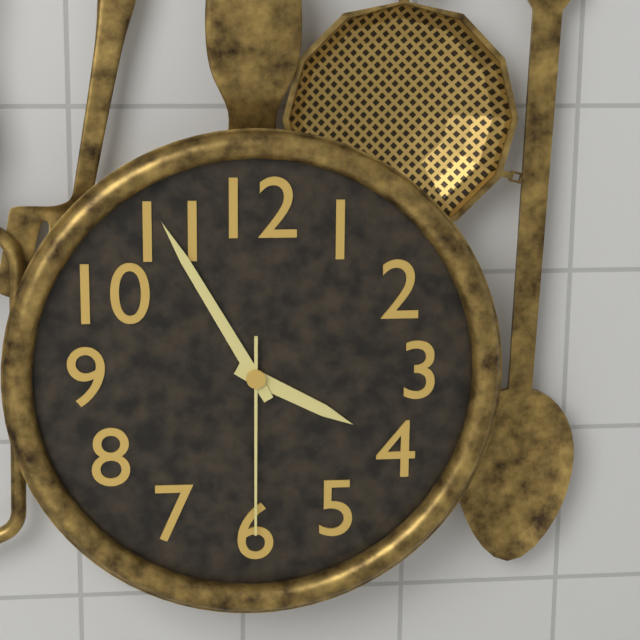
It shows 3h55m30s
